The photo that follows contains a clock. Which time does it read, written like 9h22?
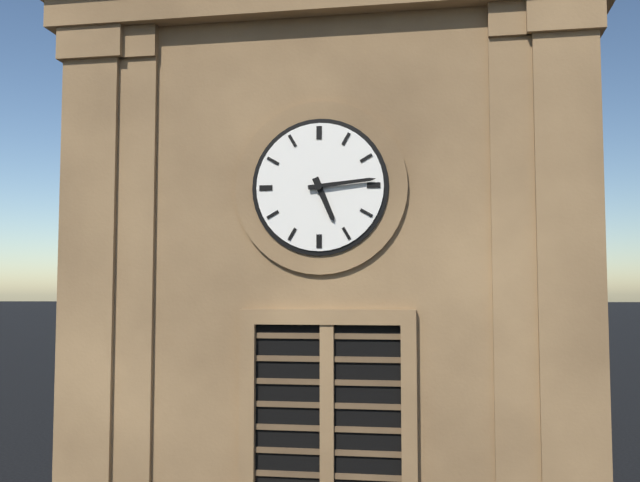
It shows 5h14
